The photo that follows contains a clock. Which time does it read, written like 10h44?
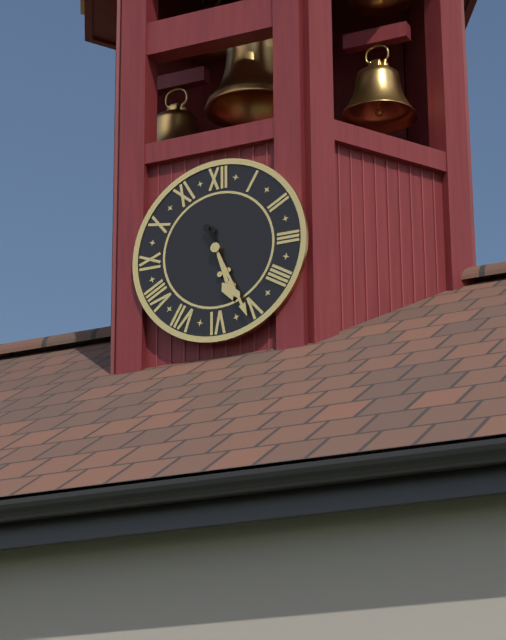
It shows 5h26
